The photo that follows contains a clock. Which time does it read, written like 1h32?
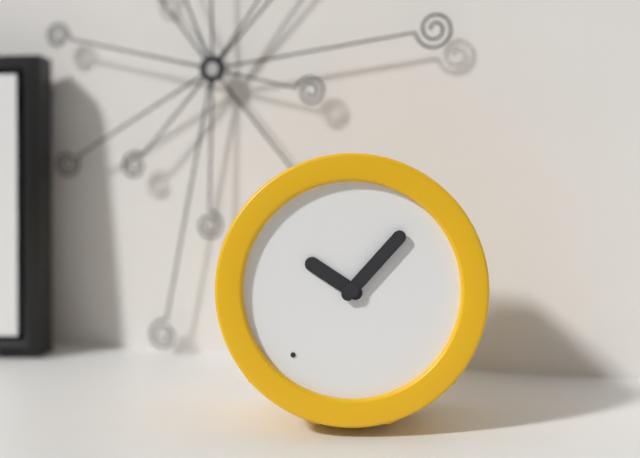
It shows 10h07
